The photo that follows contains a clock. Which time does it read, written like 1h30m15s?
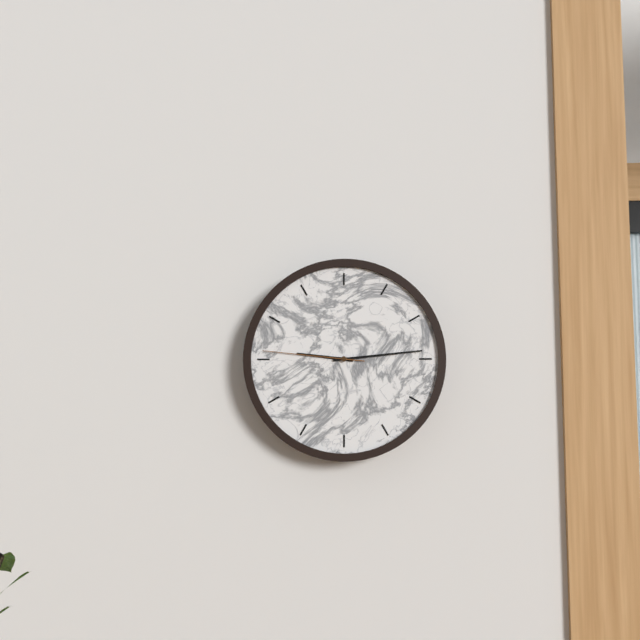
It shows 9h14m46s
